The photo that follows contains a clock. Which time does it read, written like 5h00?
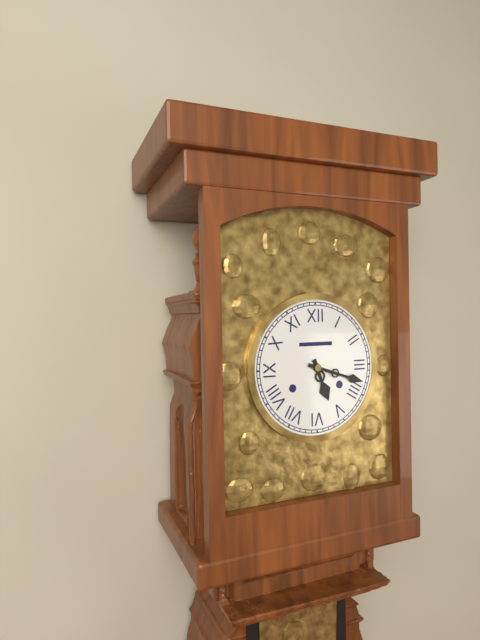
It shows 5h18
